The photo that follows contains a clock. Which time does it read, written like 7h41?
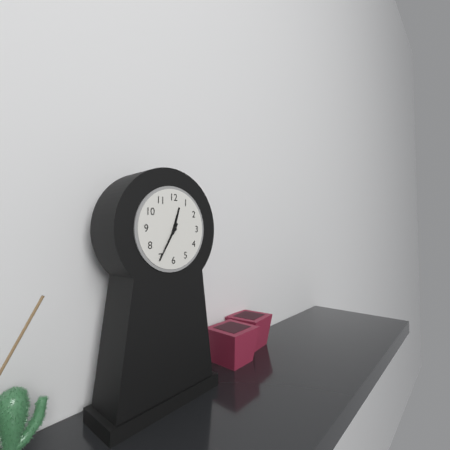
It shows 12h35
